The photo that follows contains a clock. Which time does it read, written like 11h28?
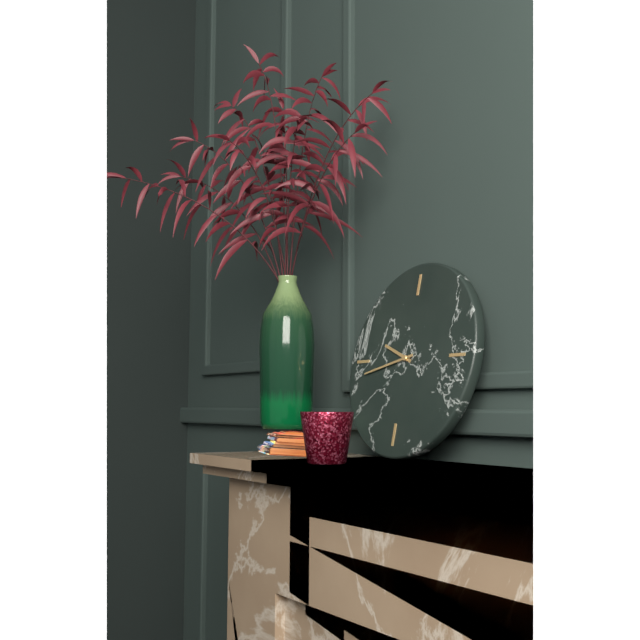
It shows 9h43
